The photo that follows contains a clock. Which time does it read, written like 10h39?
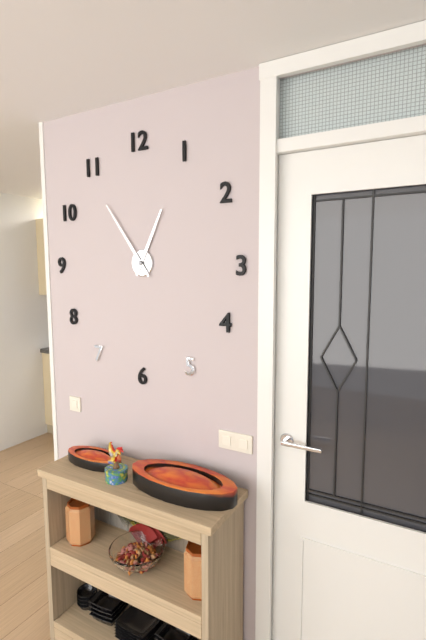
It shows 12h54
